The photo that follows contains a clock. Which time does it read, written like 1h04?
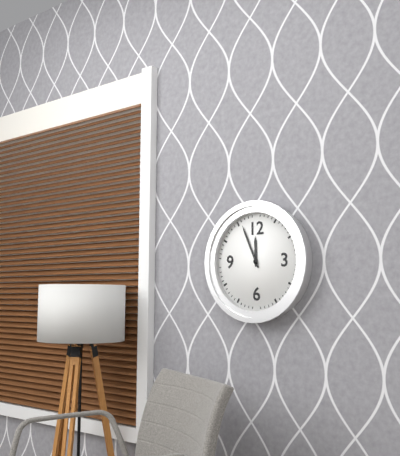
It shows 11h56
